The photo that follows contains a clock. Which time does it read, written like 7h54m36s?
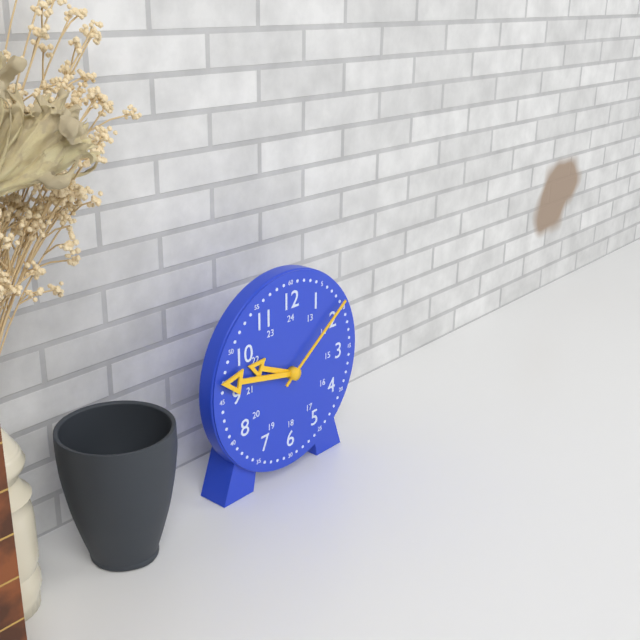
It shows 9h47m09s
